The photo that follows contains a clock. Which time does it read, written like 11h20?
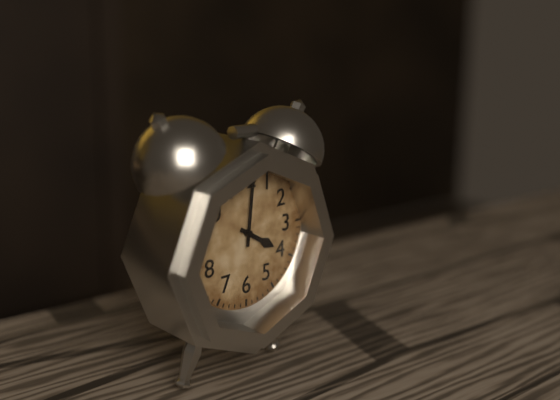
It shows 4h01
